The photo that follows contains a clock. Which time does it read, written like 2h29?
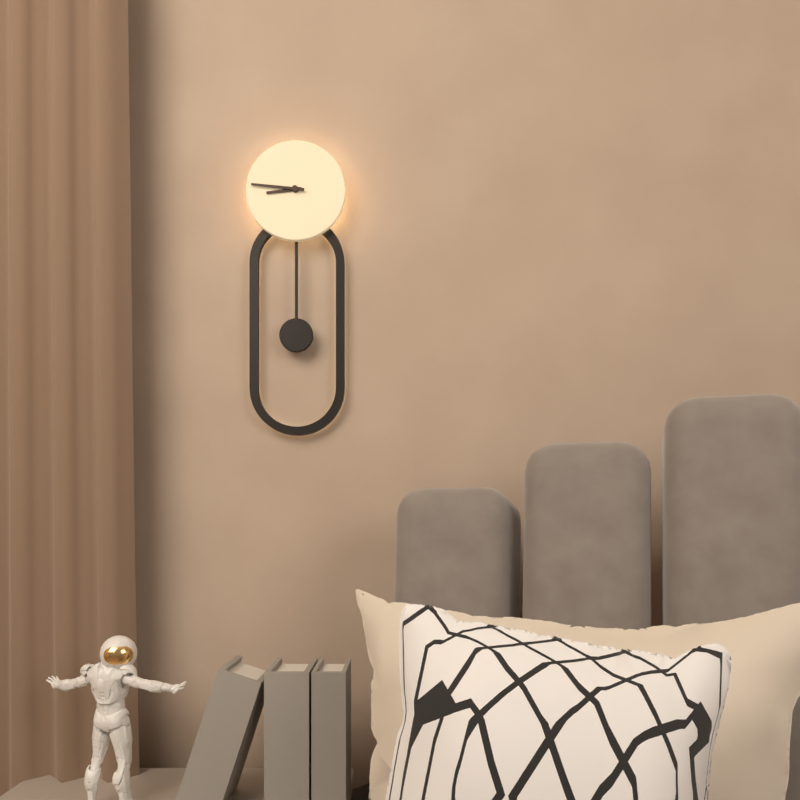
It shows 8h46
